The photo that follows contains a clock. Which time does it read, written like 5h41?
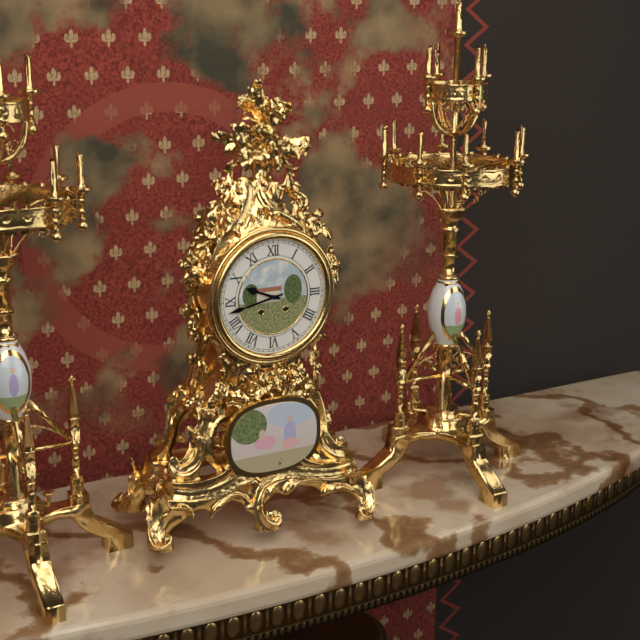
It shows 9h43
